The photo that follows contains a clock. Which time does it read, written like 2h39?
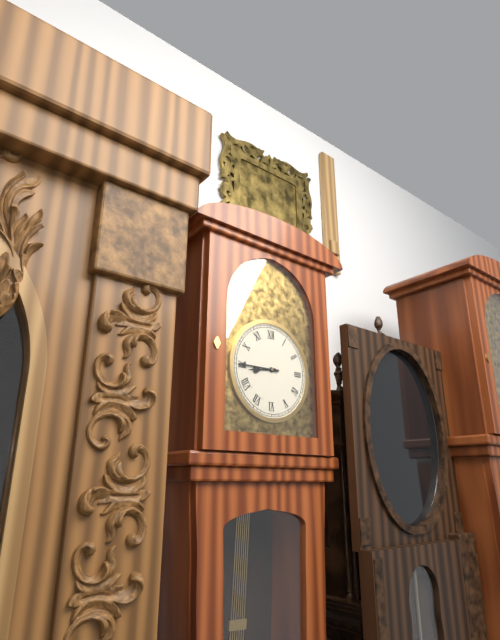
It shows 8h45
